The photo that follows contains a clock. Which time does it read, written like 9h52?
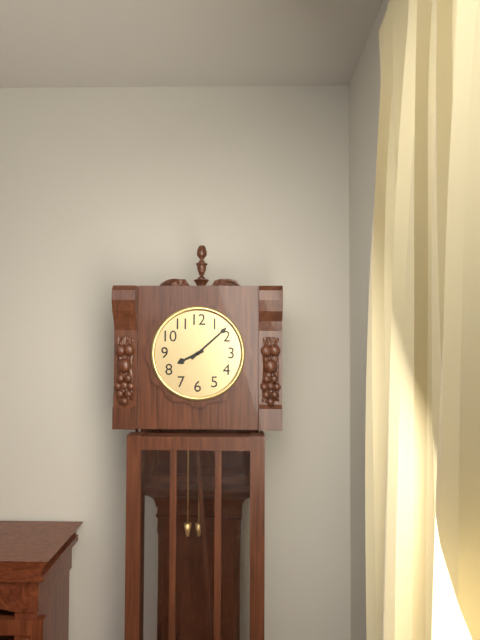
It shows 8h08
